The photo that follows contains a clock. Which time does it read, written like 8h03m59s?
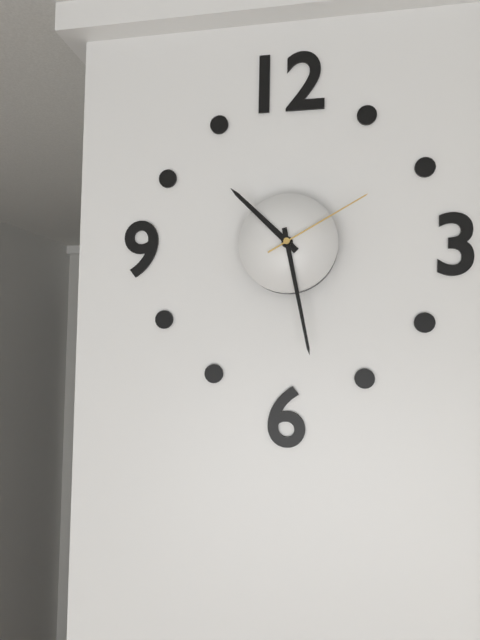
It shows 10h28m10s
